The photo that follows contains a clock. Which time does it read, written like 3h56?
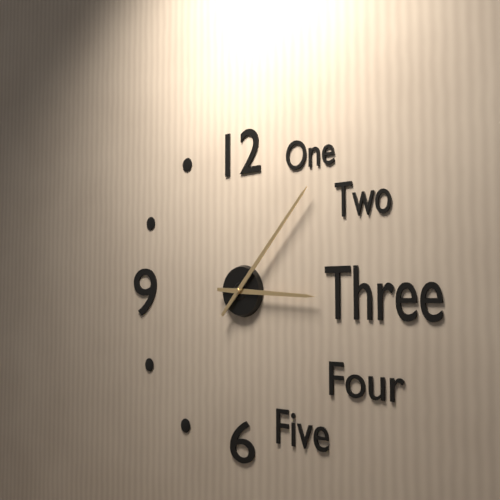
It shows 3h07
